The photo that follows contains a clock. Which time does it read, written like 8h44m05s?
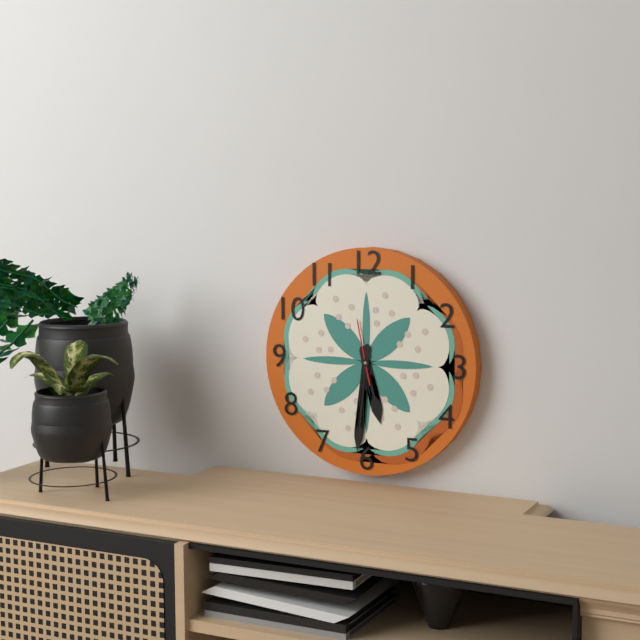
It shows 5h31m58s
